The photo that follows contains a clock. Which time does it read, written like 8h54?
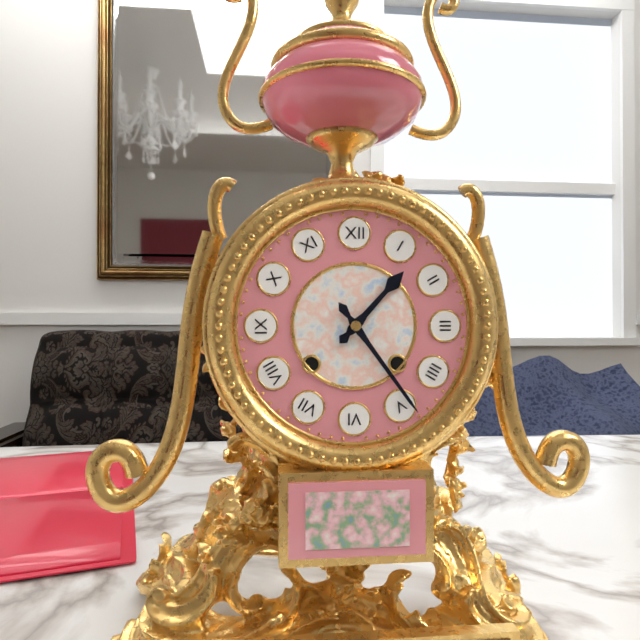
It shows 1h24
